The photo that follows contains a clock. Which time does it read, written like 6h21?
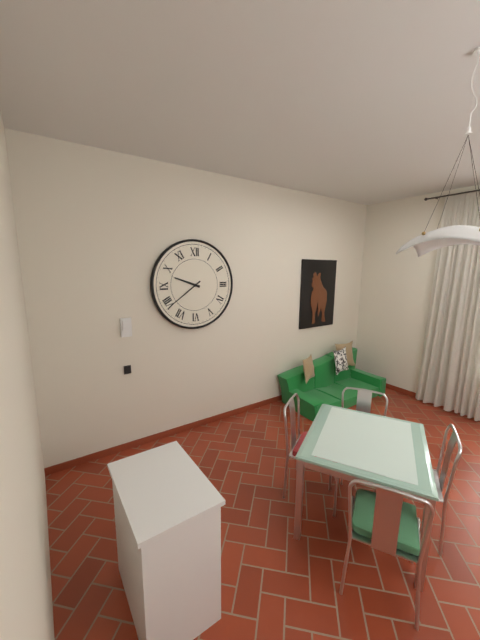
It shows 9h39
